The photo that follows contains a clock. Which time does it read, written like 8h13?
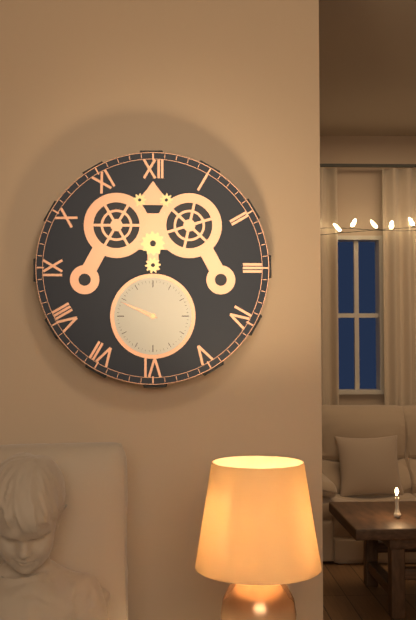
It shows 9h49
